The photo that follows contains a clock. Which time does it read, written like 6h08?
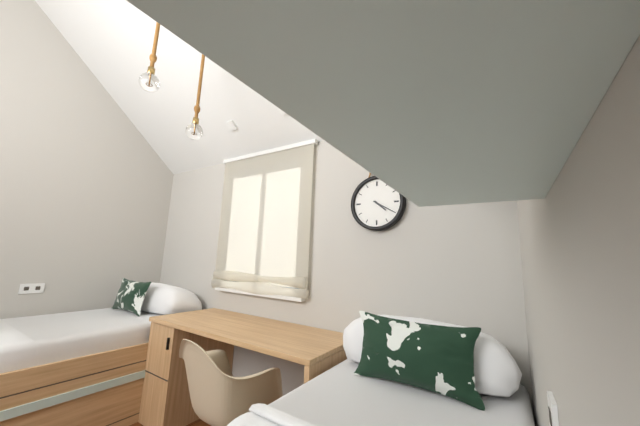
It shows 4h20
